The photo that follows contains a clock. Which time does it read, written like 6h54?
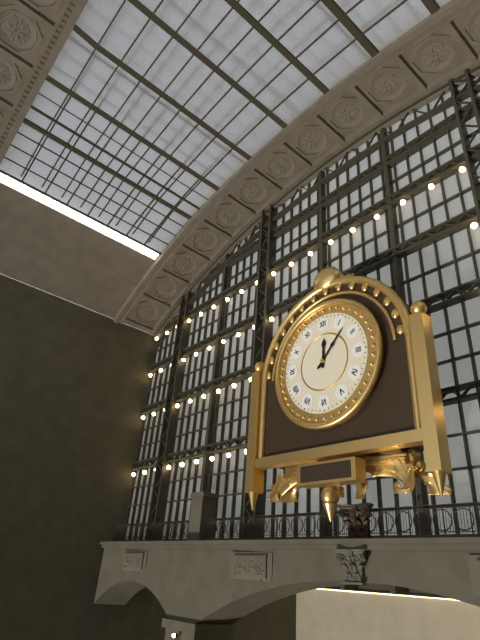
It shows 12h07
